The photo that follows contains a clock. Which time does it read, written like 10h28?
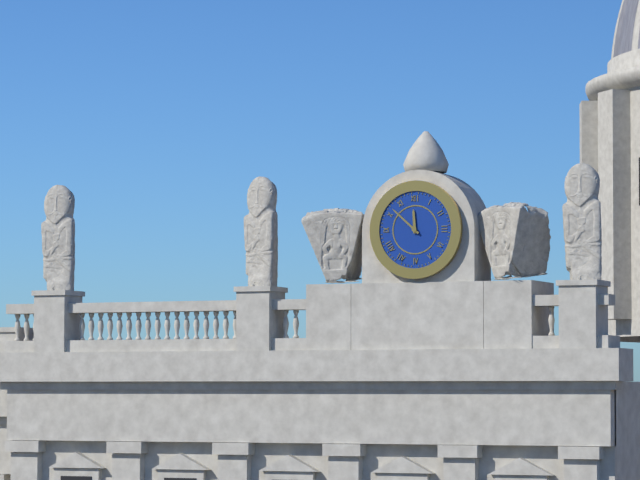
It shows 11h52
